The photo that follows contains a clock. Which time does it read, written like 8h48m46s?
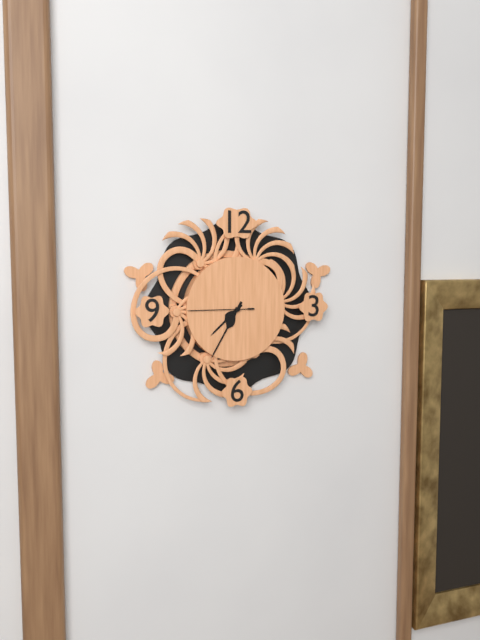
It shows 7h35m45s
